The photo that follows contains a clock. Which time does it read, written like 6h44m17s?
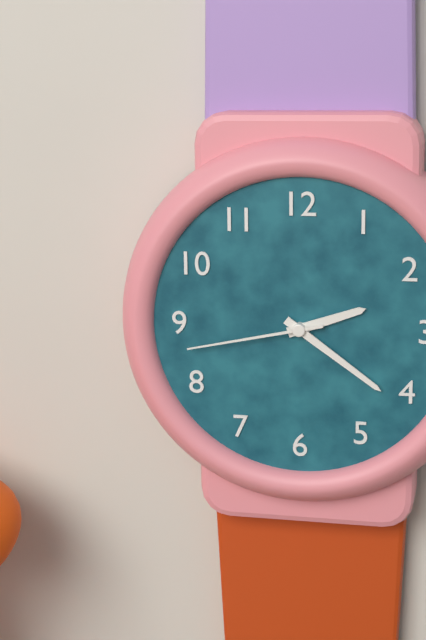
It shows 2h21m43s
